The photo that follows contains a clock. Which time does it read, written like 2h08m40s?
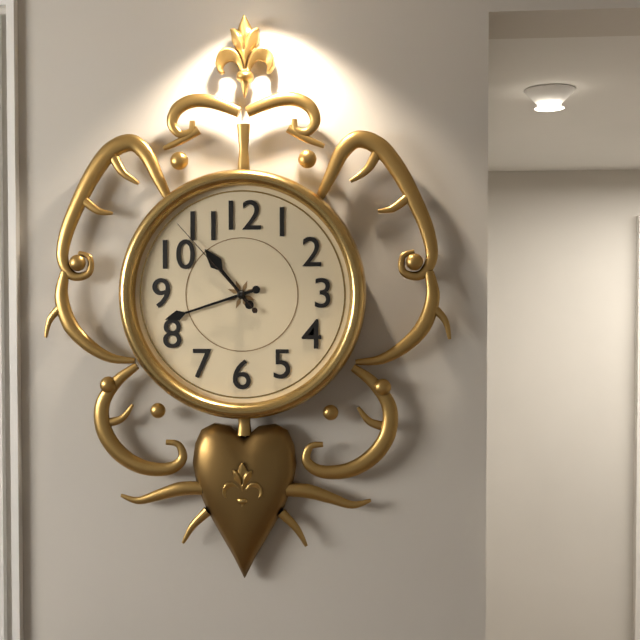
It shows 10h42m53s
